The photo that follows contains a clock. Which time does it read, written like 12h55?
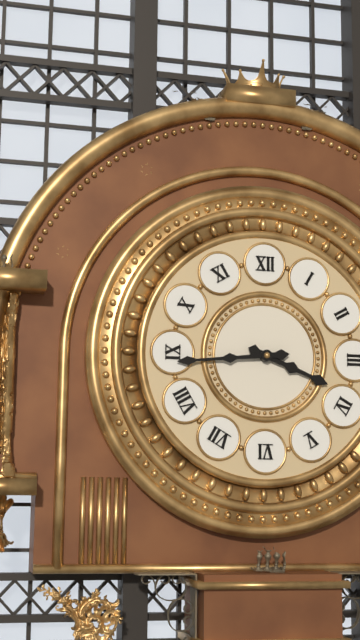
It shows 3h44
